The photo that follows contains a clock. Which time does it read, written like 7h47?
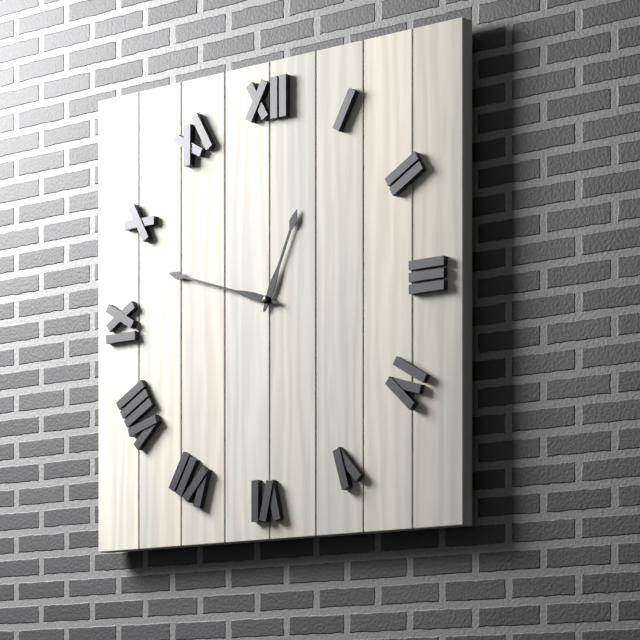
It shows 12h48
